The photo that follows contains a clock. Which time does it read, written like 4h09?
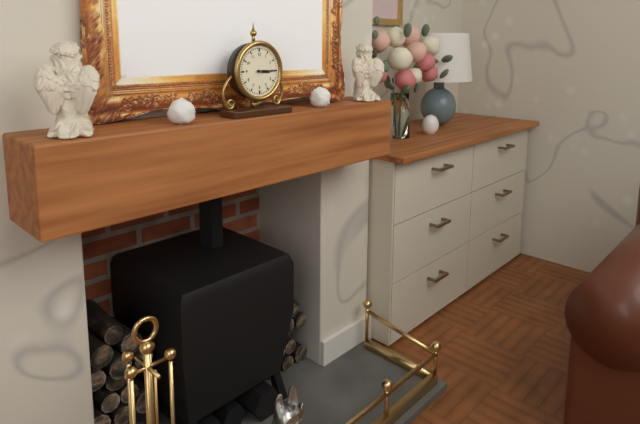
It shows 3h15
